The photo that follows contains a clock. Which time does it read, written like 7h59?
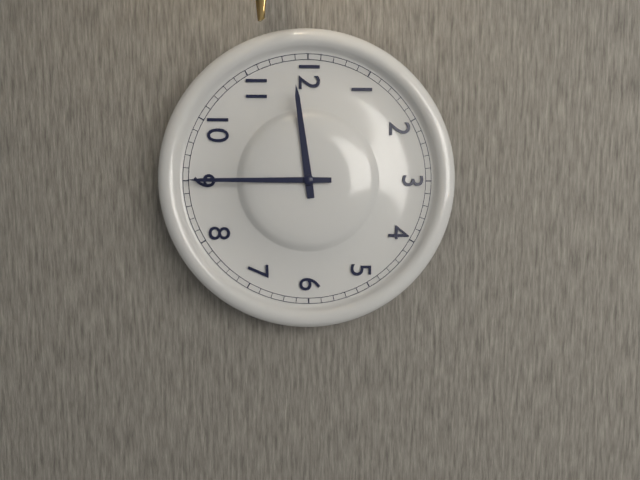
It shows 11h45
